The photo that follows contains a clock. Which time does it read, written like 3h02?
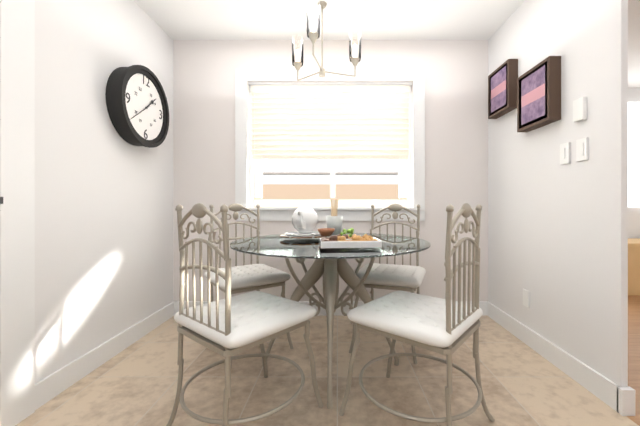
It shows 1h39
